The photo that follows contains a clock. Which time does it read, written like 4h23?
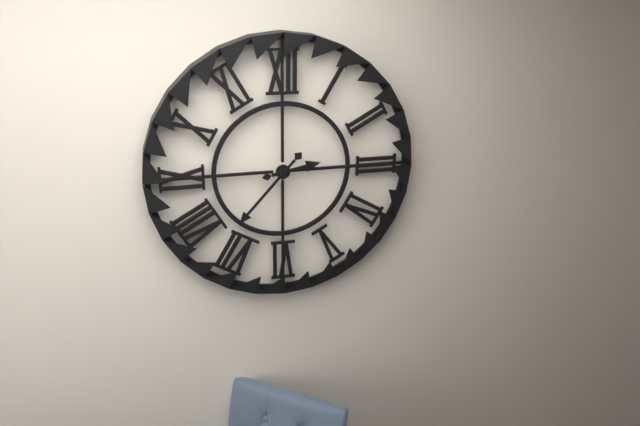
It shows 2h37
